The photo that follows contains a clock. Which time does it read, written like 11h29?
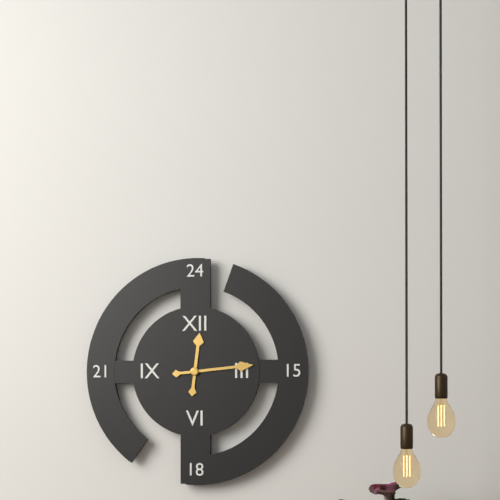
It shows 12h14
